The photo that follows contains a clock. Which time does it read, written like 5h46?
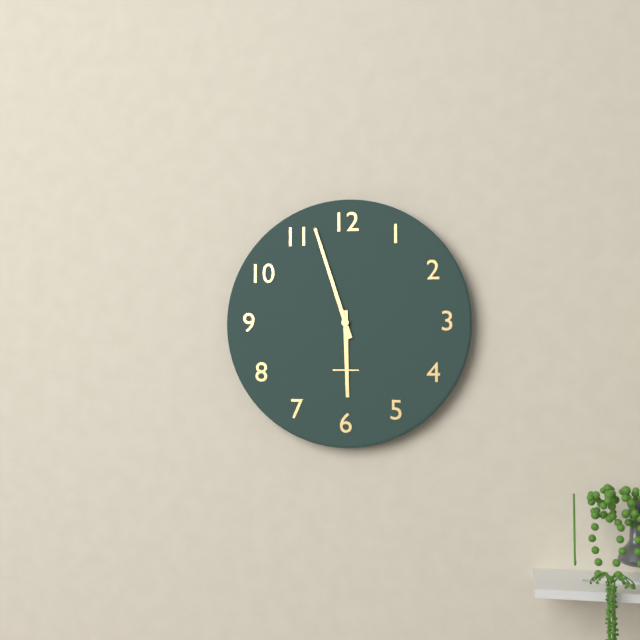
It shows 5h57
